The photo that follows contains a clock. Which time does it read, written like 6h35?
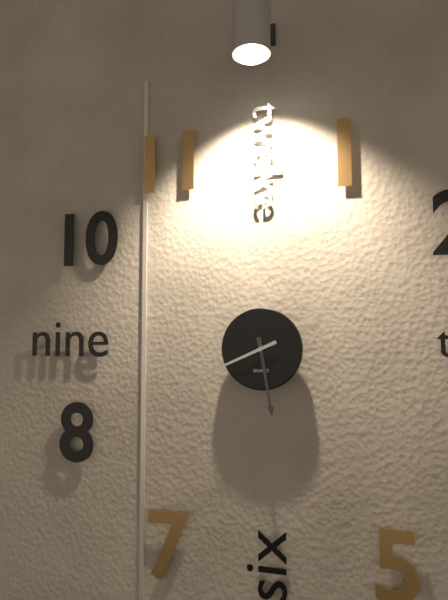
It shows 5h41
